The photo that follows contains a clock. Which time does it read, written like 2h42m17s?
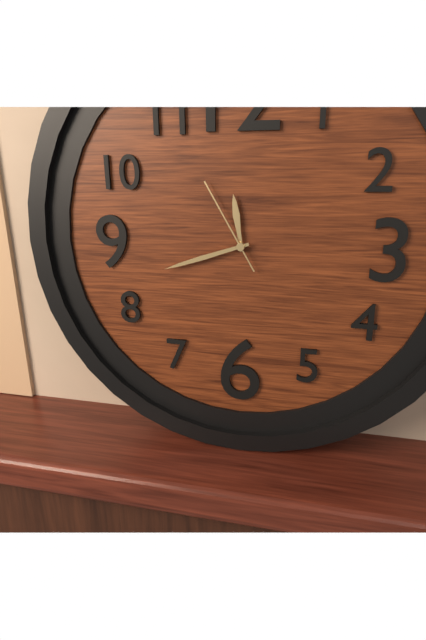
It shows 11h42m55s
